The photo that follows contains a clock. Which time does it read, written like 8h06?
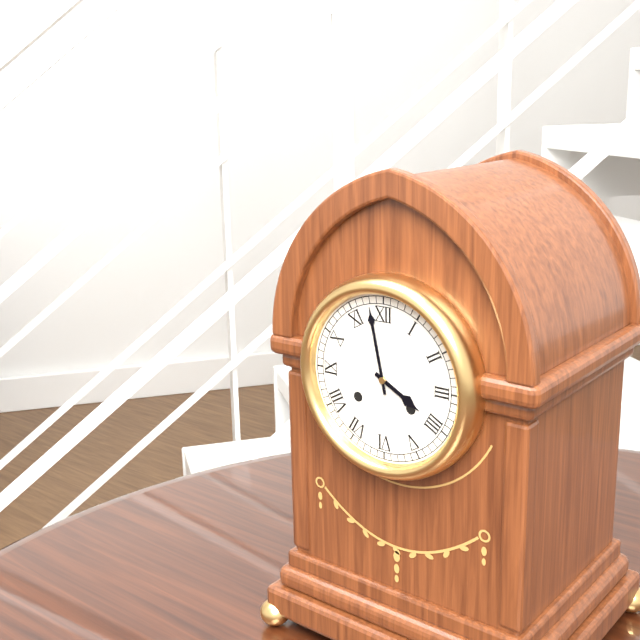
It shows 3h58
